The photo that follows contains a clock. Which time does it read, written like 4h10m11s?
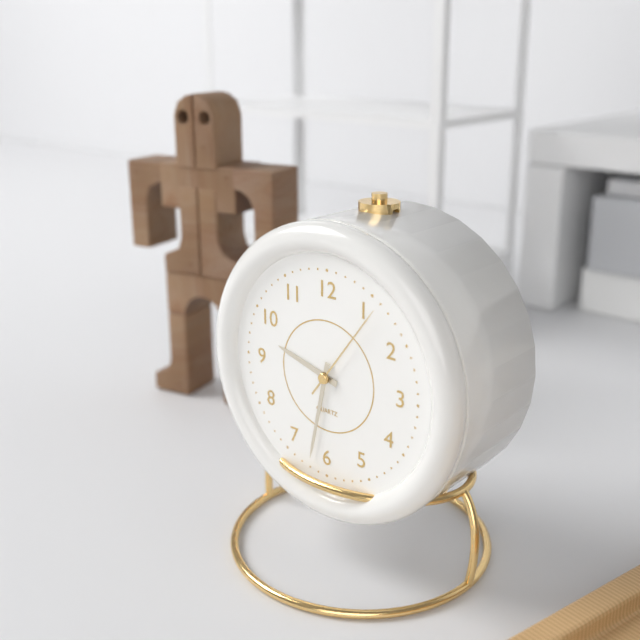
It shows 9h32m06s
